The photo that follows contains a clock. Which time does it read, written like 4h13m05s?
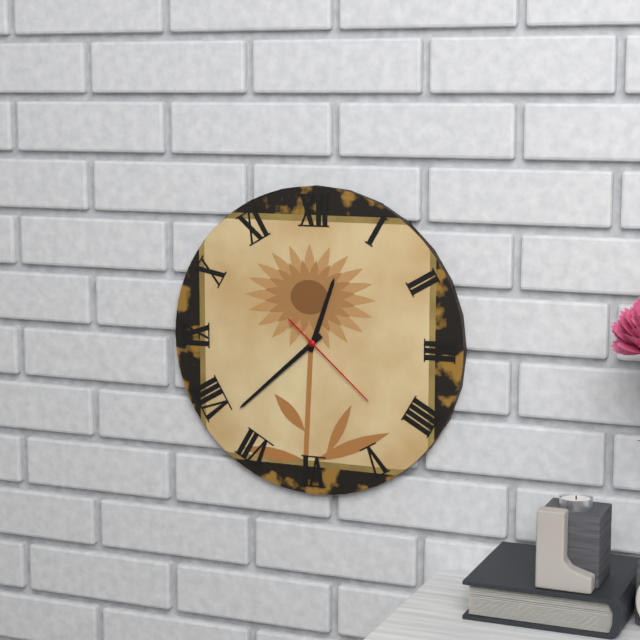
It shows 12h38m22s
